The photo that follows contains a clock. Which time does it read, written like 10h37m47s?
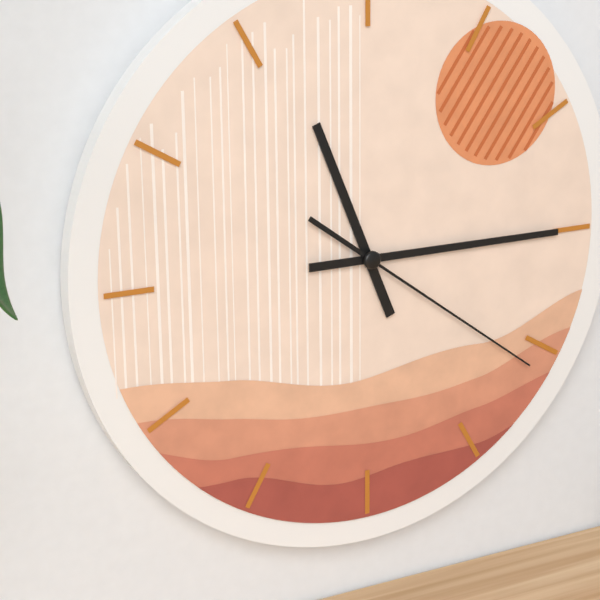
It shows 11h15m21s
